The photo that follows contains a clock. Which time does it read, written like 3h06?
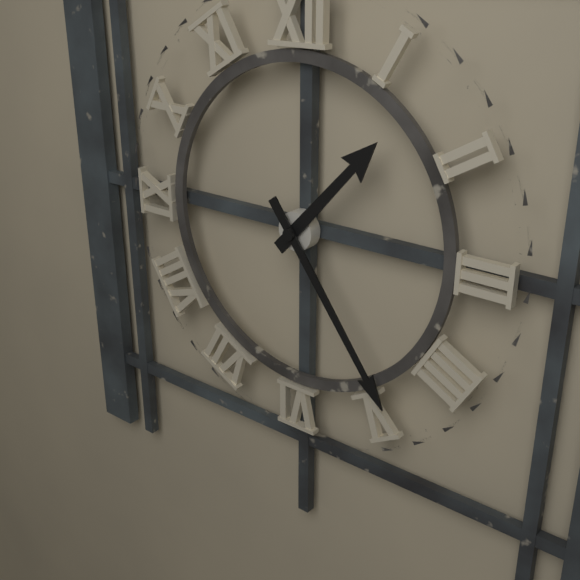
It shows 1h24
